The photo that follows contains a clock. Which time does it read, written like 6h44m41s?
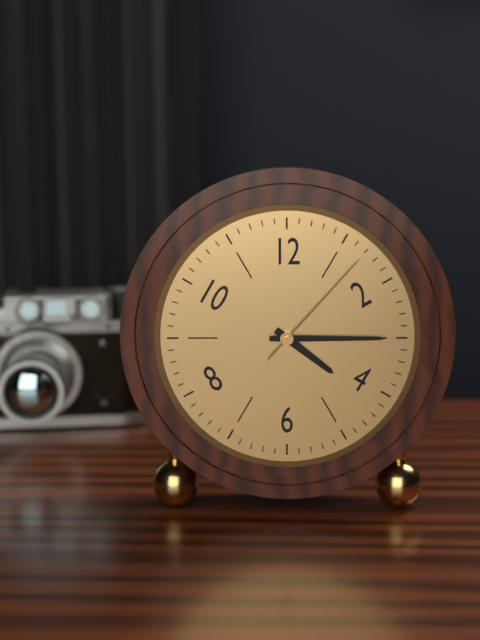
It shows 4h15m07s
